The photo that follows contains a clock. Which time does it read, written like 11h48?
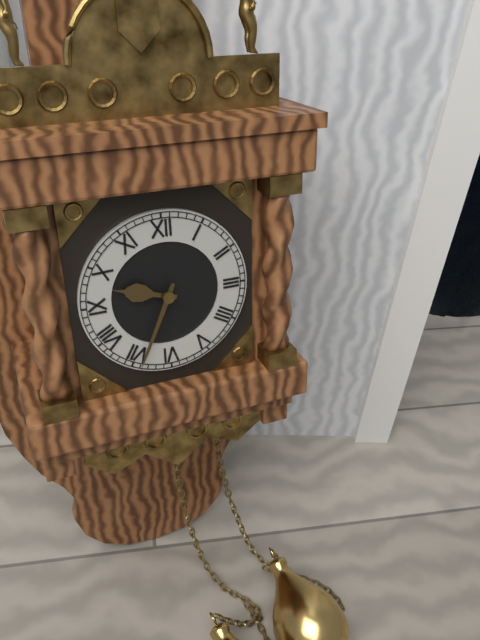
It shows 9h34
